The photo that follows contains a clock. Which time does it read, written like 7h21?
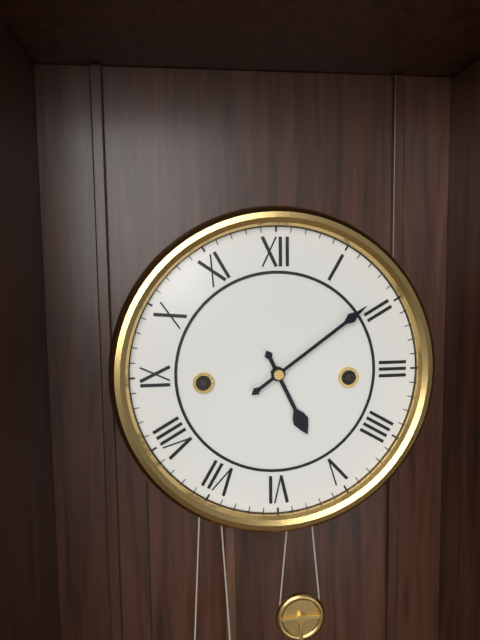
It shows 5h09
